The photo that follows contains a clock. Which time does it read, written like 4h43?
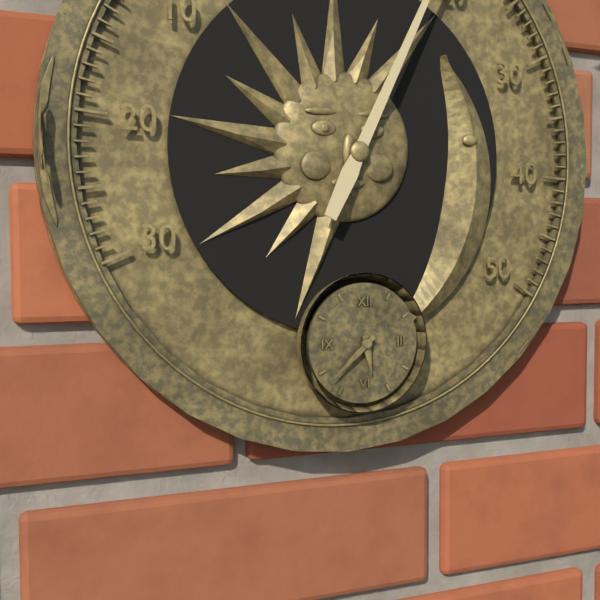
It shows 5h38
